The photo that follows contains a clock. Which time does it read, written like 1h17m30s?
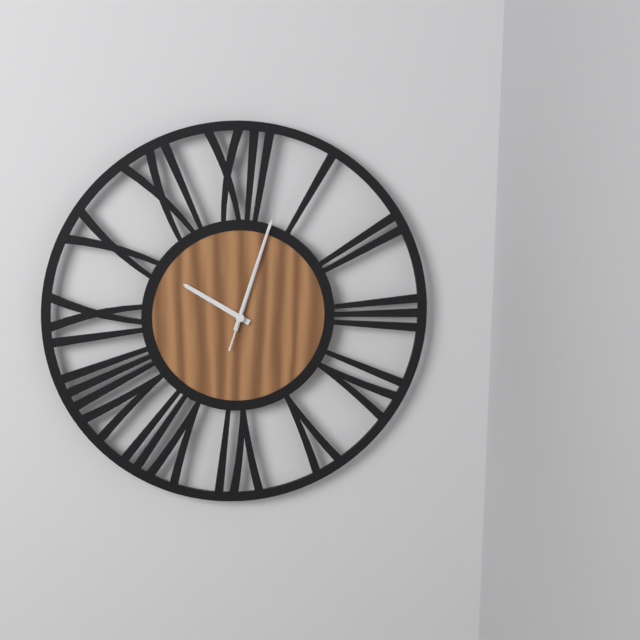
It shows 10h03m03s
